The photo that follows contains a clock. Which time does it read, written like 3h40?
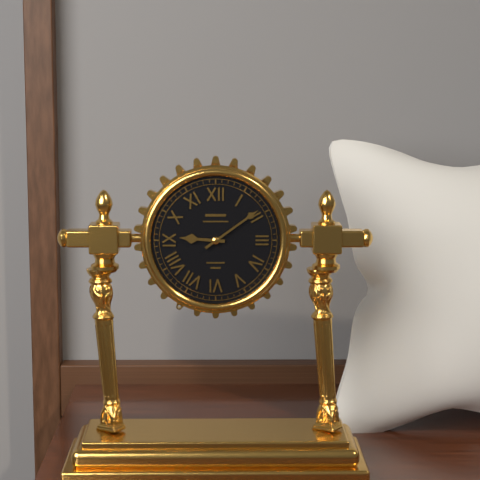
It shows 9h09
